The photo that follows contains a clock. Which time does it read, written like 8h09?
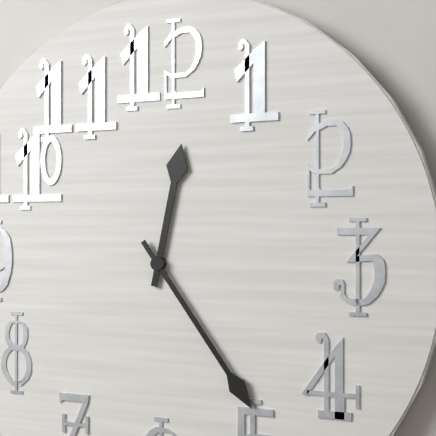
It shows 12h24
